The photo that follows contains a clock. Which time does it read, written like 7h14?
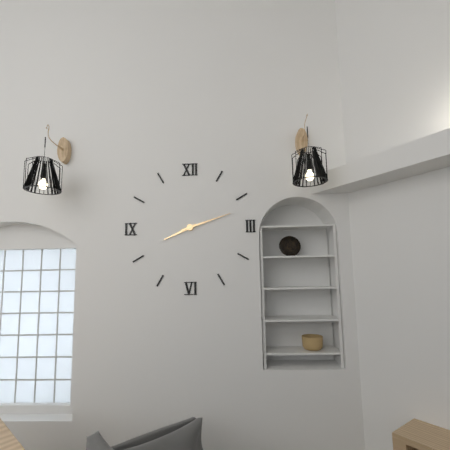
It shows 8h12
